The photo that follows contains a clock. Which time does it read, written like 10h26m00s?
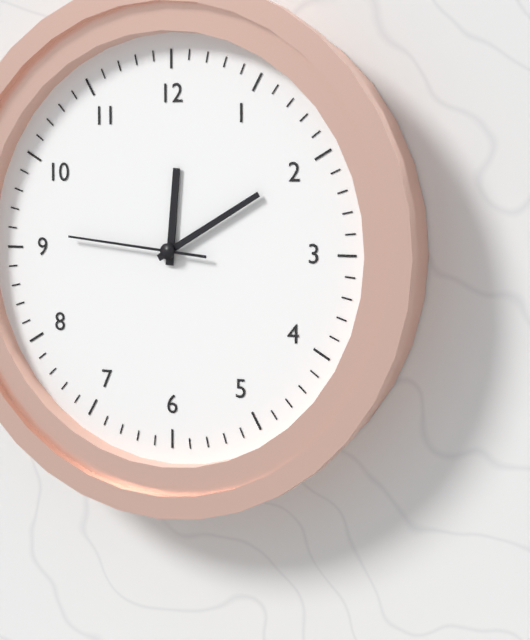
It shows 12h10m46s
